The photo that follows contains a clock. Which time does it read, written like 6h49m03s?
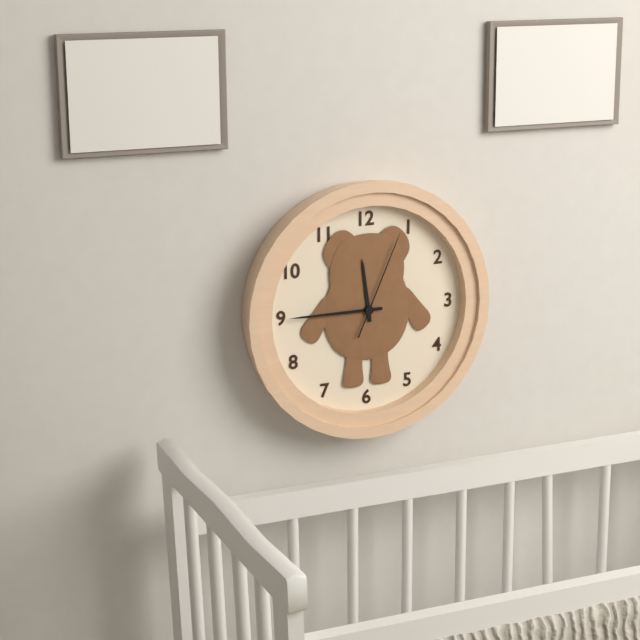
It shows 11h45m04s
